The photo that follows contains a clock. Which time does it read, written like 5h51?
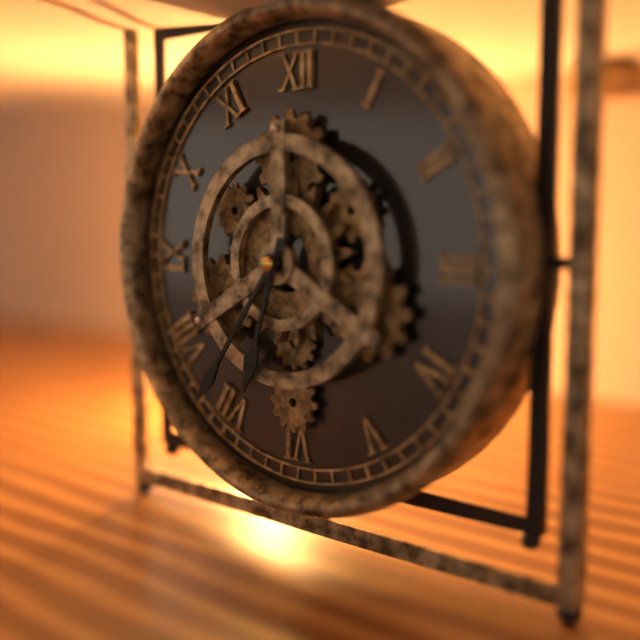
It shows 6h36
